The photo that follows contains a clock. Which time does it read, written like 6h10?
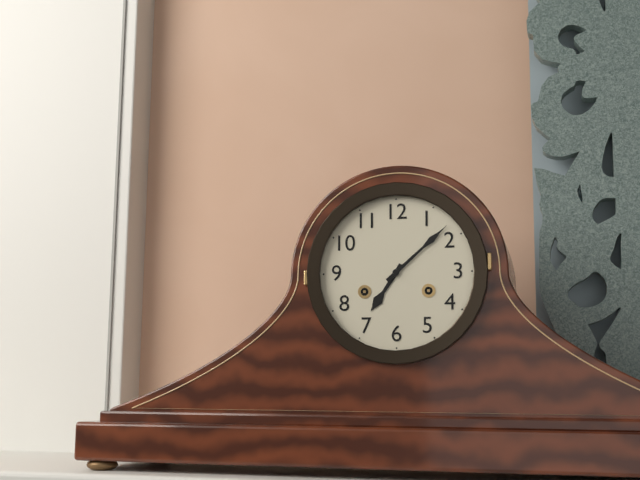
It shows 7h08
